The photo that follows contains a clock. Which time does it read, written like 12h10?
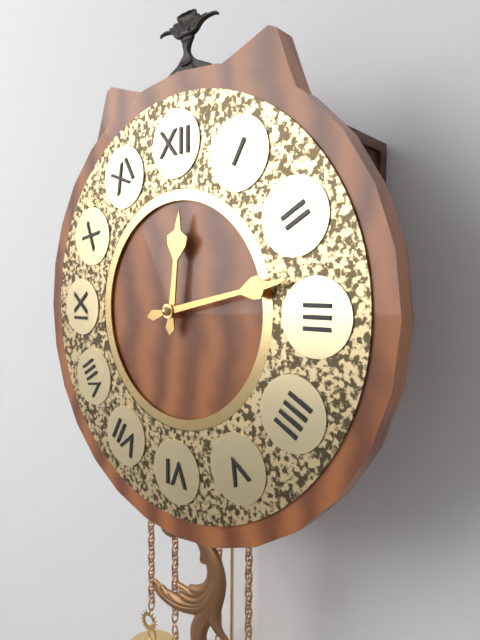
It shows 12h13
